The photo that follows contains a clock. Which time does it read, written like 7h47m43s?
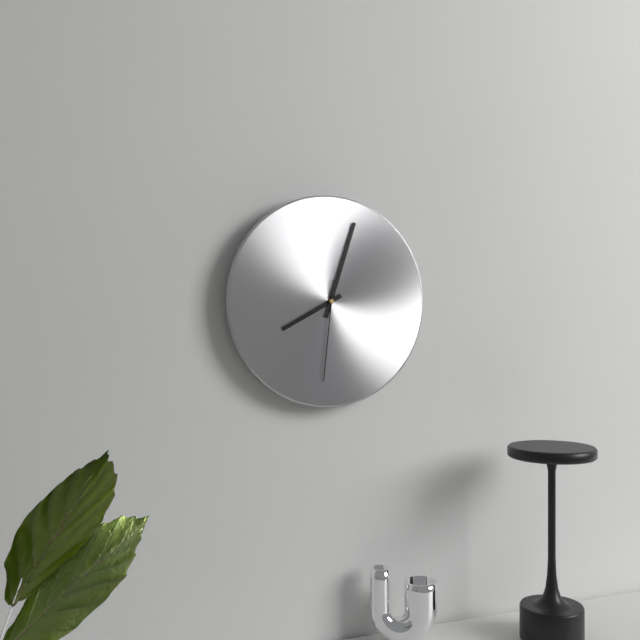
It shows 8h03m31s
